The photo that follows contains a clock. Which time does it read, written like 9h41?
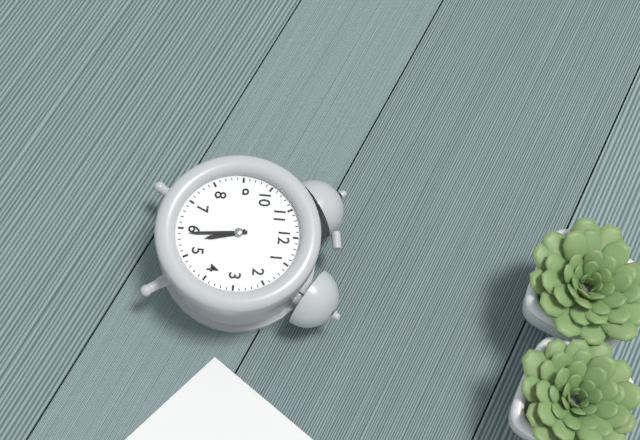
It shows 5h29
